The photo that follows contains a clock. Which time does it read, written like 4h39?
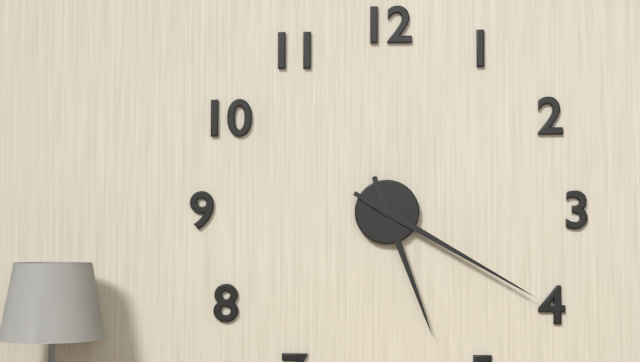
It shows 5h20
